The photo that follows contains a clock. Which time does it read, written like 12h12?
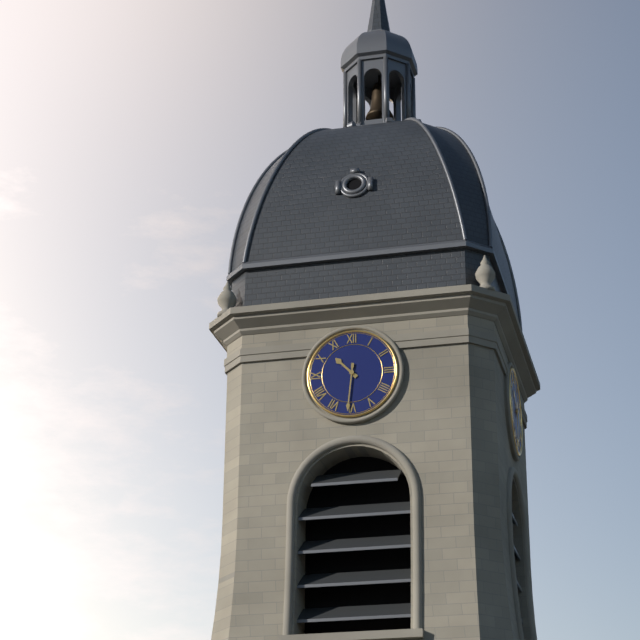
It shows 10h31
